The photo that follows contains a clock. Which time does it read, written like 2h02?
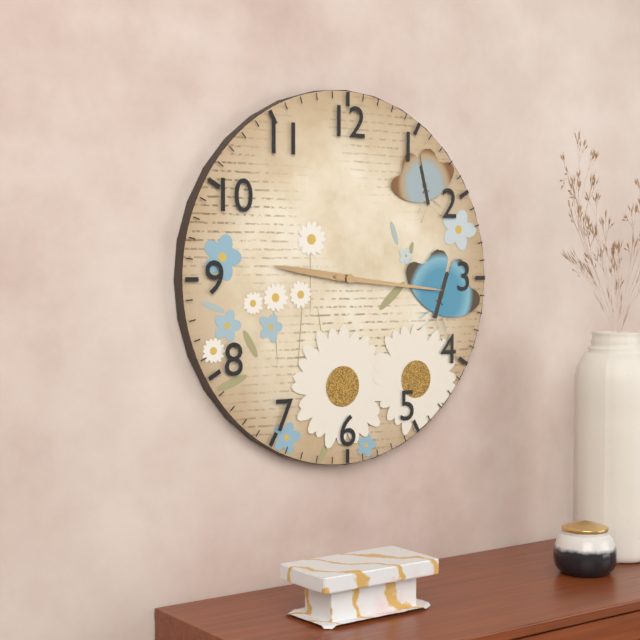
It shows 9h16
